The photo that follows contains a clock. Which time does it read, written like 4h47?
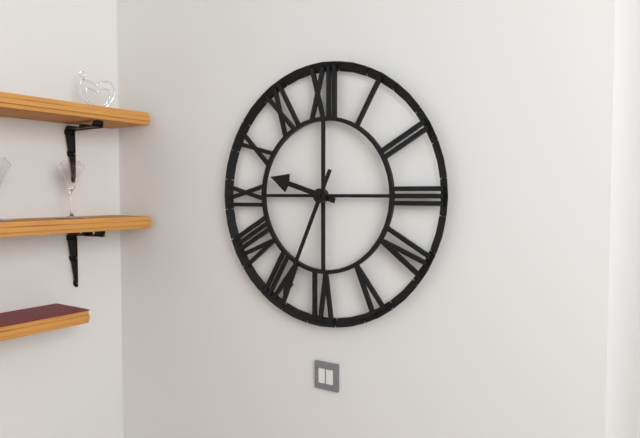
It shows 9h34
